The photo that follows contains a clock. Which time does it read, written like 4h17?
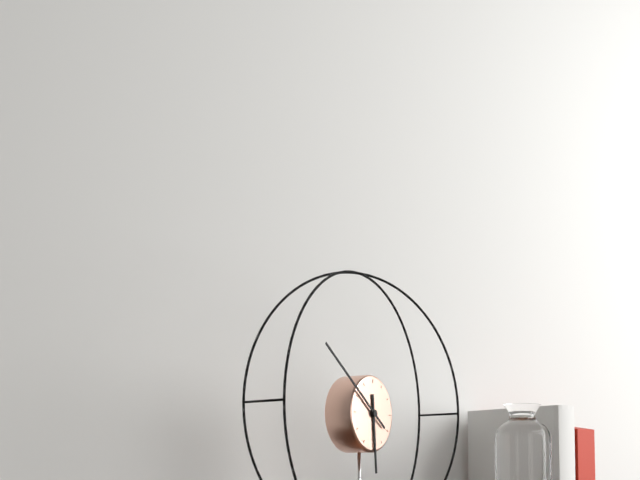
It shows 5h51
